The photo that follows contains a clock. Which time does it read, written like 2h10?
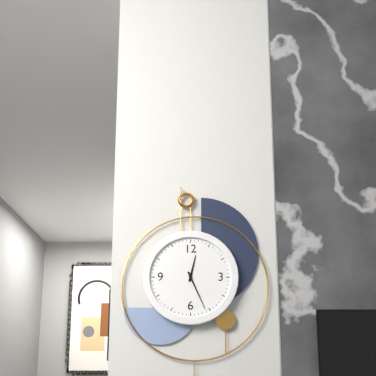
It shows 12h26
